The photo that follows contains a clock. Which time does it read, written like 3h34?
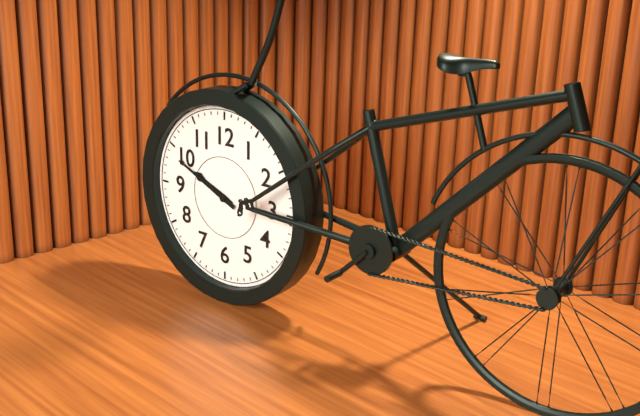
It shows 9h49
